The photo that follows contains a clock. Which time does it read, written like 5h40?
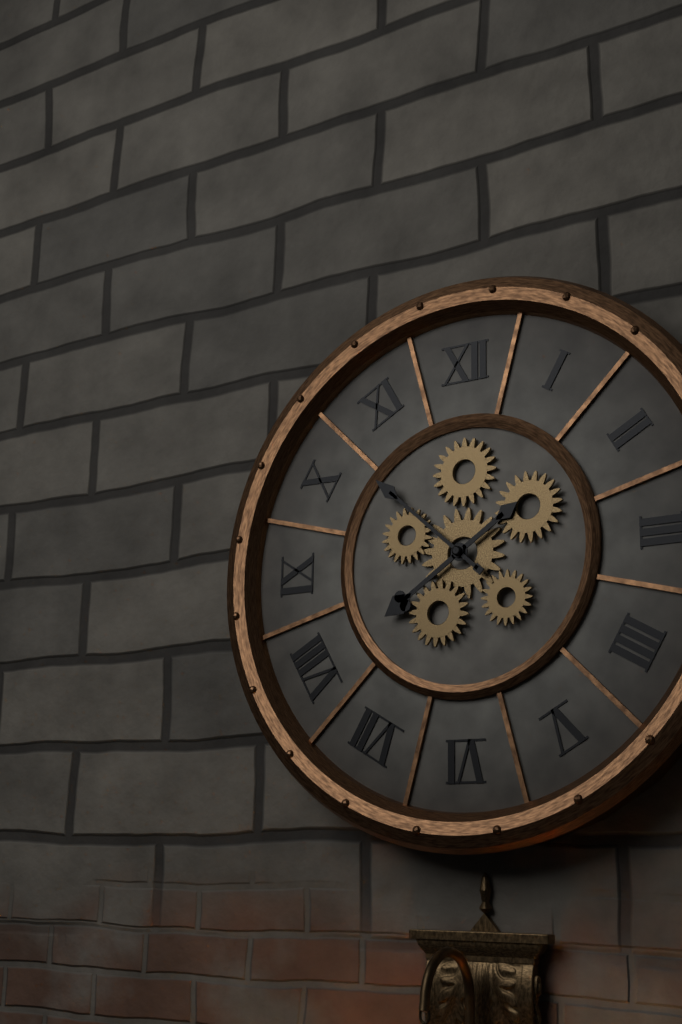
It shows 7h52
